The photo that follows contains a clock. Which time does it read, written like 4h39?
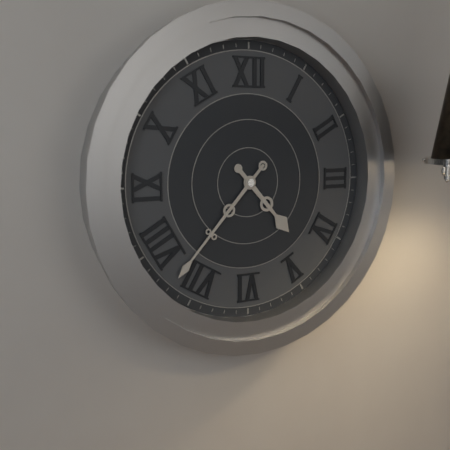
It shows 4h37
